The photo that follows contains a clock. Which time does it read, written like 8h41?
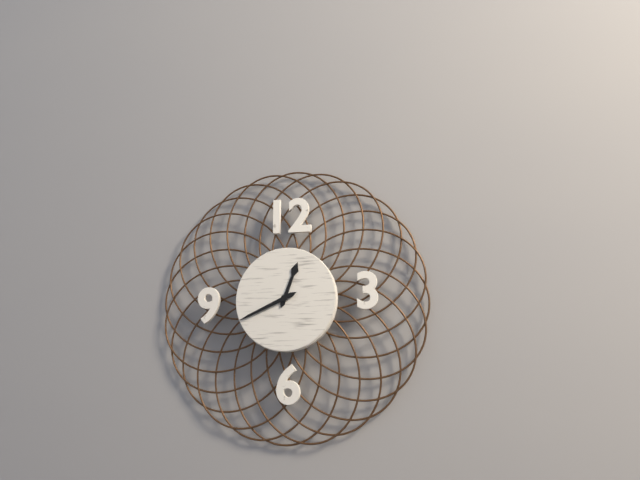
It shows 12h41
